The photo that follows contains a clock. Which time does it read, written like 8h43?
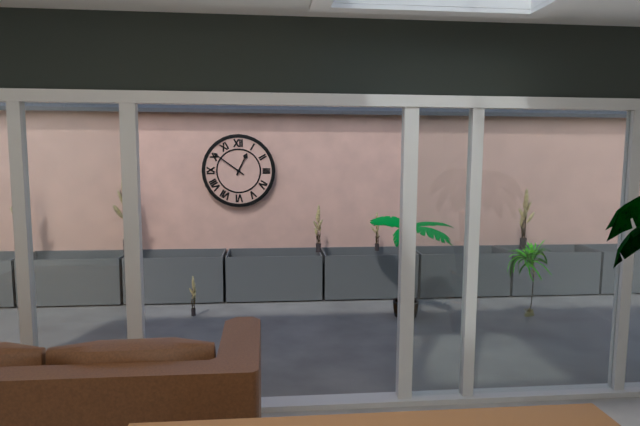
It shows 12h51
